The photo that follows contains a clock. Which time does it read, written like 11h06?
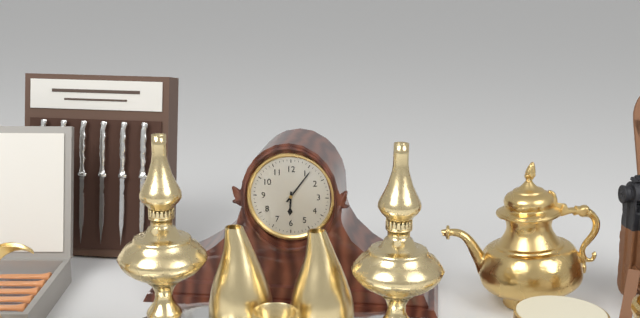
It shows 6h06
